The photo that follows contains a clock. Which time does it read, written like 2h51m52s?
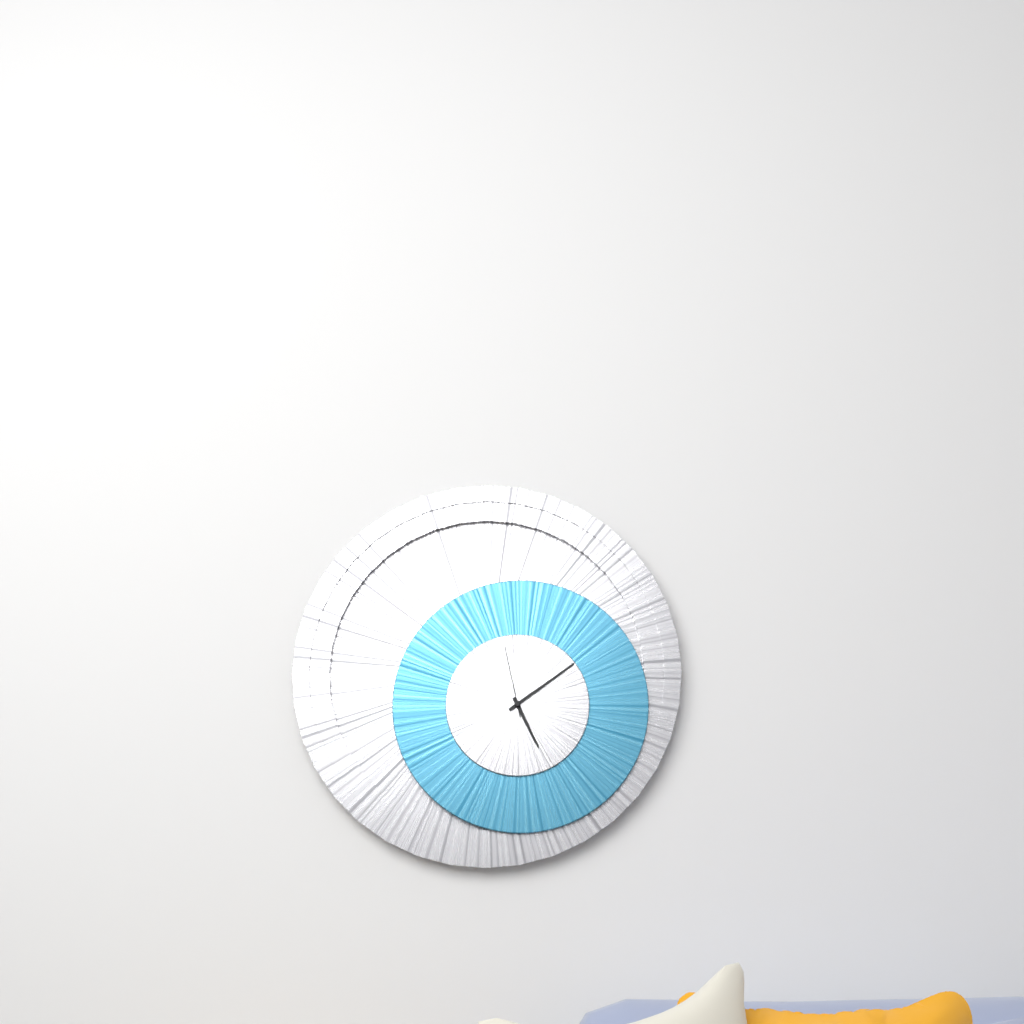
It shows 5h09m58s
